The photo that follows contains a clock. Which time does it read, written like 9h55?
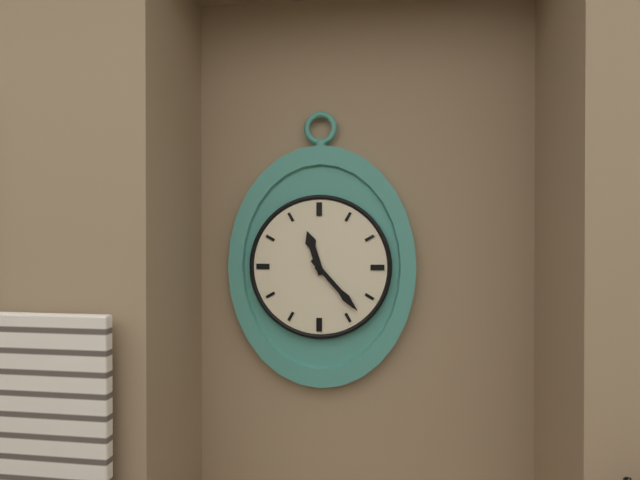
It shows 11h23
